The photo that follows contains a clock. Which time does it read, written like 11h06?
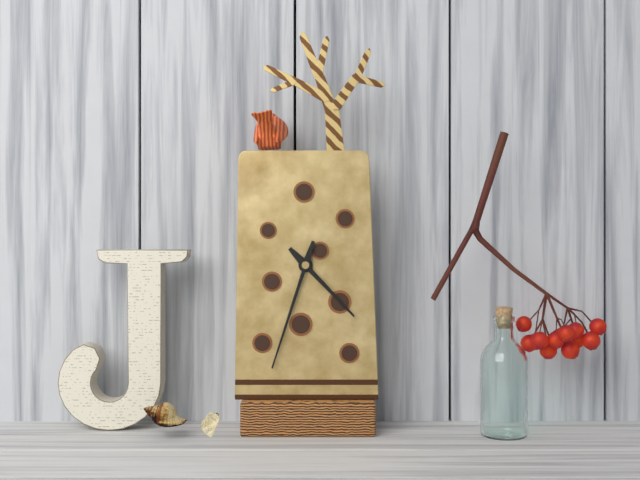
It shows 4h33
